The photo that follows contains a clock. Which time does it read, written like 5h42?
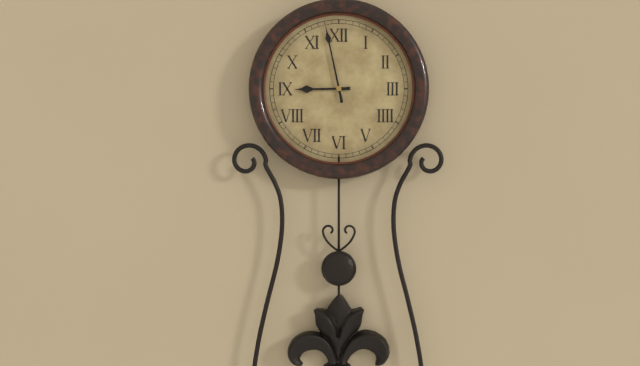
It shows 8h58
